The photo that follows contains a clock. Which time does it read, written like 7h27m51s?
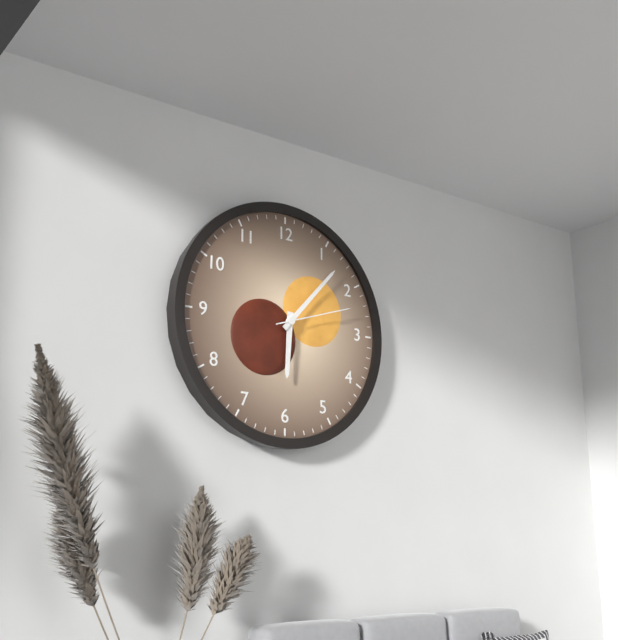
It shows 6h07m12s
